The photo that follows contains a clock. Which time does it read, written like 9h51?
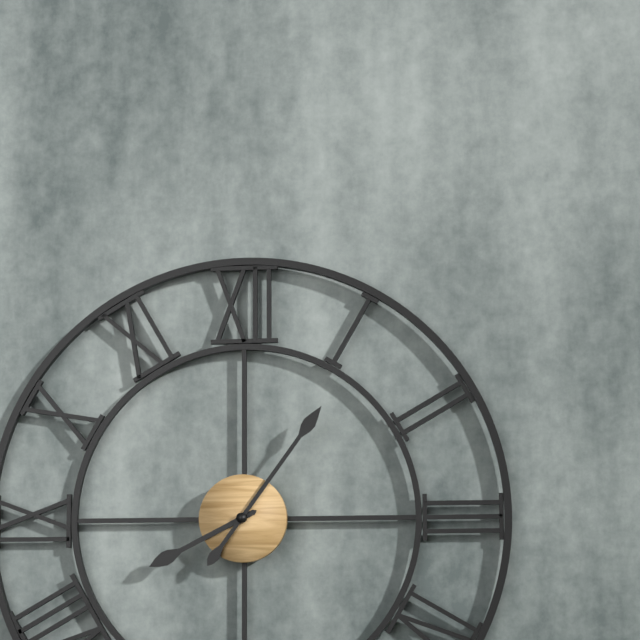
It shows 8h06
